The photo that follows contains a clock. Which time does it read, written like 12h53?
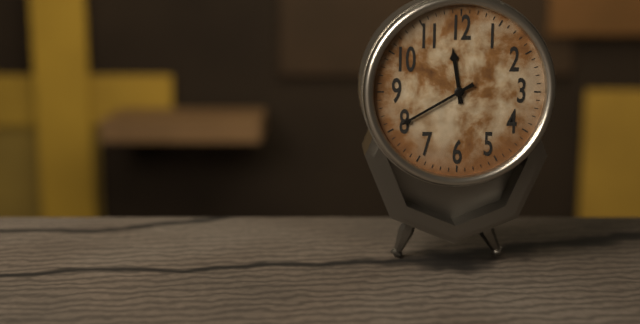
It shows 11h40
